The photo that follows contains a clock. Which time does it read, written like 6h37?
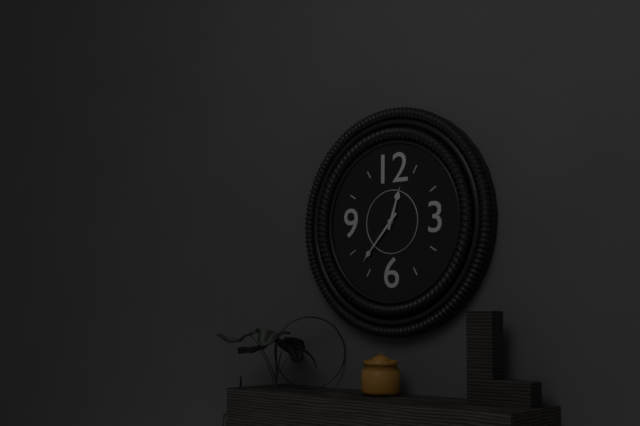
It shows 12h37
